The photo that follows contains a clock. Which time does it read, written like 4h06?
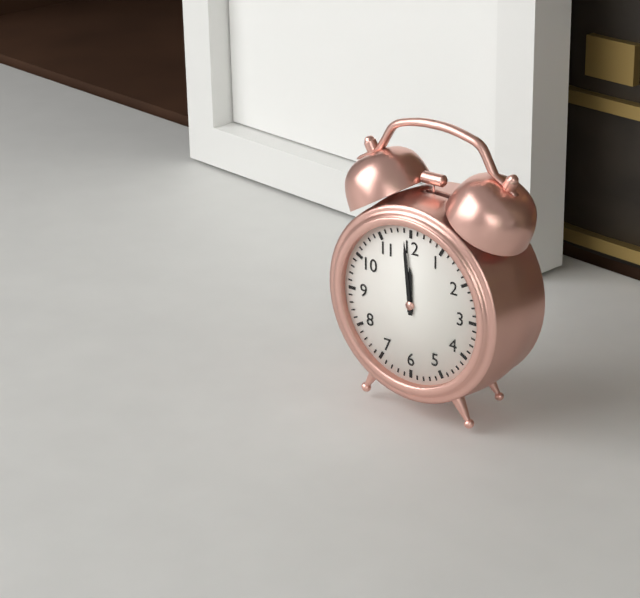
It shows 11h59
